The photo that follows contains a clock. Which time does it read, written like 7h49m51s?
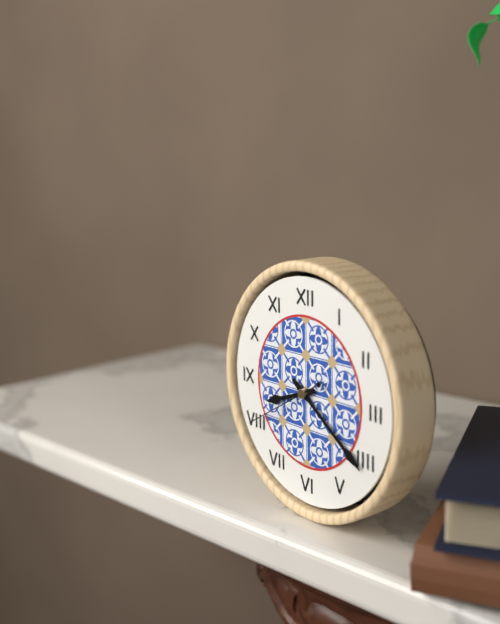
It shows 8h21m40s
